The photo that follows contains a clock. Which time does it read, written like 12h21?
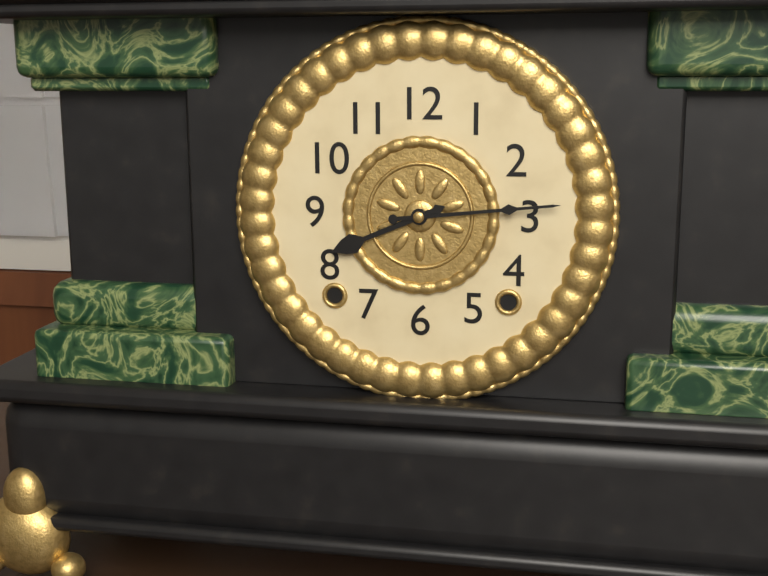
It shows 8h14
